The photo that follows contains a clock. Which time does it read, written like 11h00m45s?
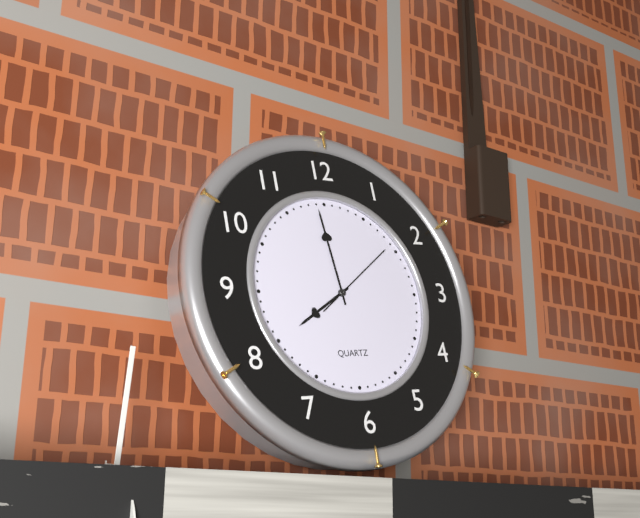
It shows 7h59m09s
